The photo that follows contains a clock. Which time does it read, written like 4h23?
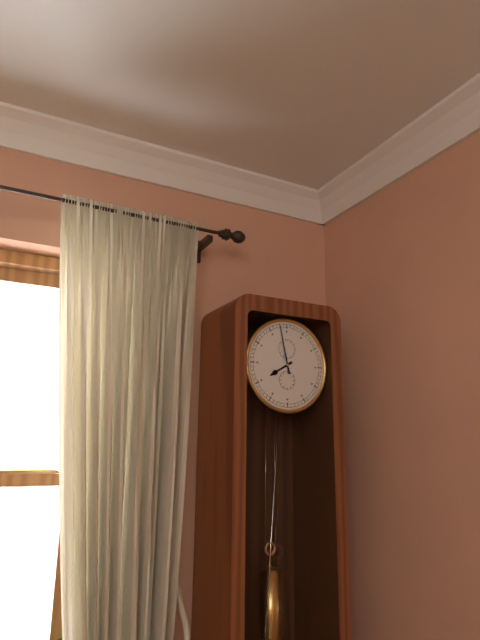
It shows 7h58
